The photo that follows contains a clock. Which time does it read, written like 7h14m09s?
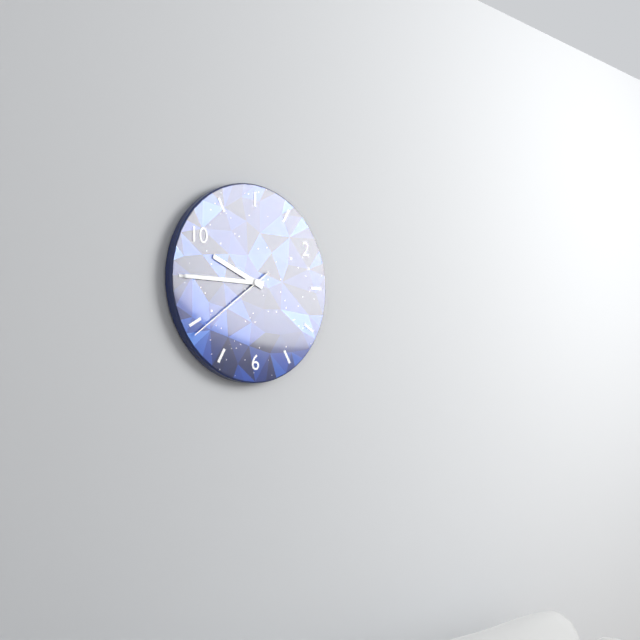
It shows 9h45m39s
